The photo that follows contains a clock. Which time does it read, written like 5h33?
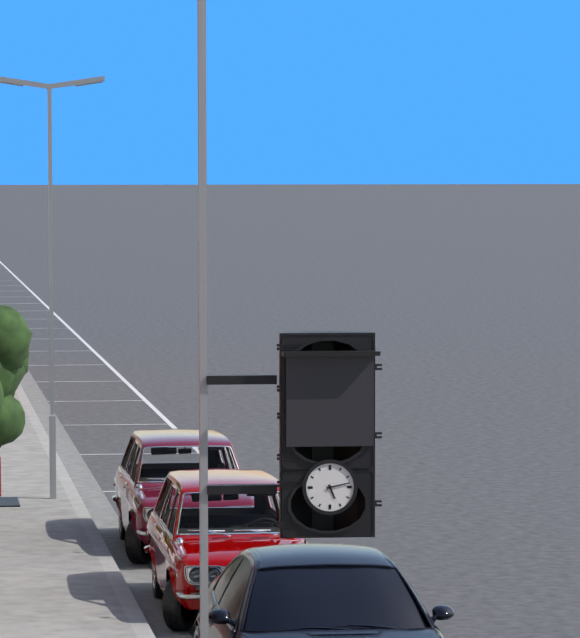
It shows 5h13
